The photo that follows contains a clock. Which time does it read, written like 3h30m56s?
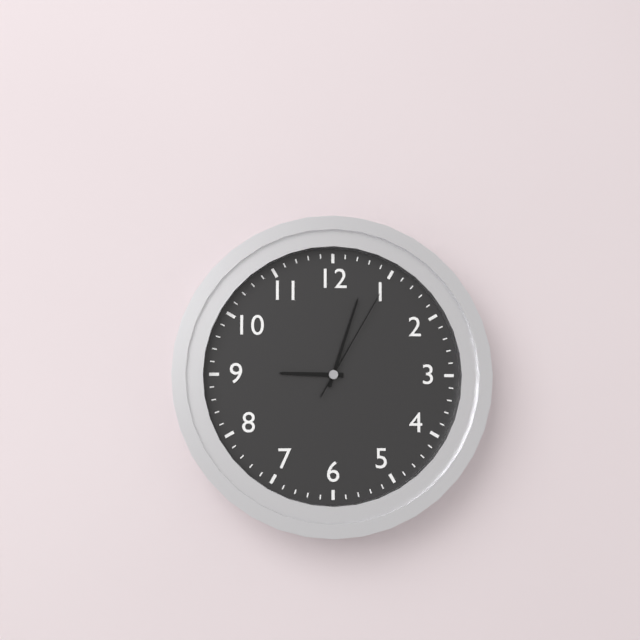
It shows 9h03m05s
